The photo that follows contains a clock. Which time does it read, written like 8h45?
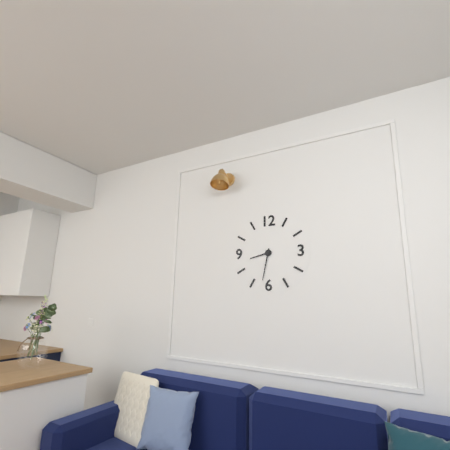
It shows 8h32
